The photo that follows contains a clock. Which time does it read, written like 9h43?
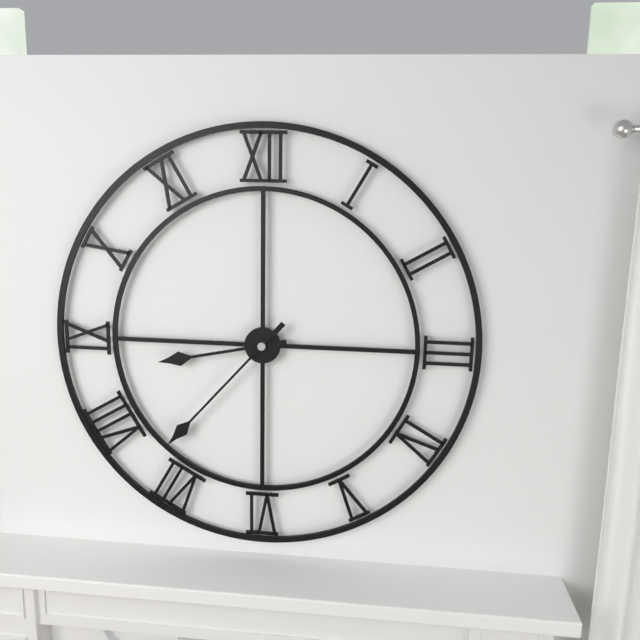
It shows 8h37
